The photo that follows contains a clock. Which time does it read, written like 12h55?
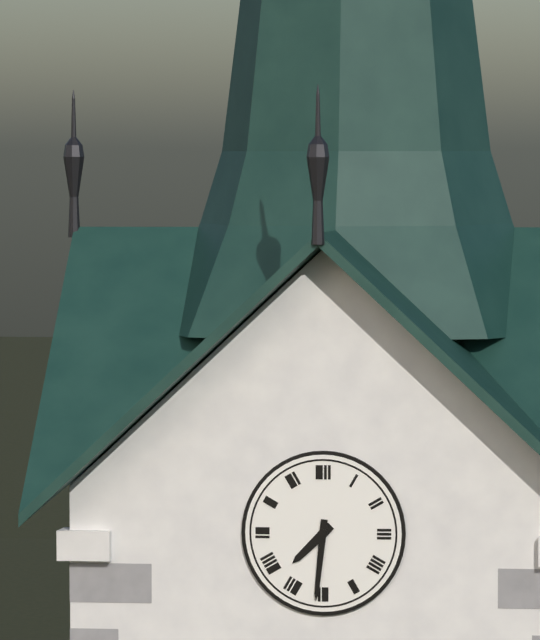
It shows 7h31
